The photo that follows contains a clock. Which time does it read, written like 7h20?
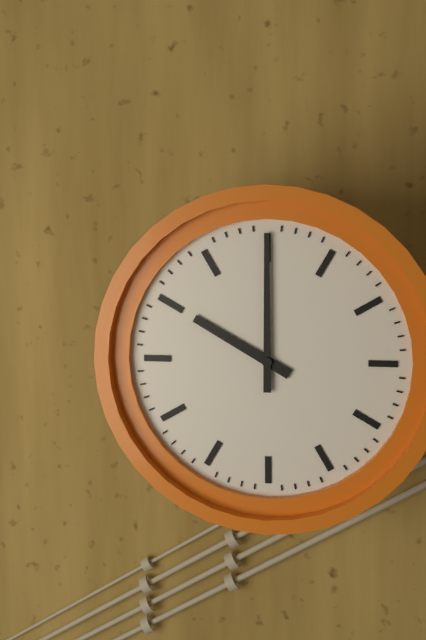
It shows 10h00
